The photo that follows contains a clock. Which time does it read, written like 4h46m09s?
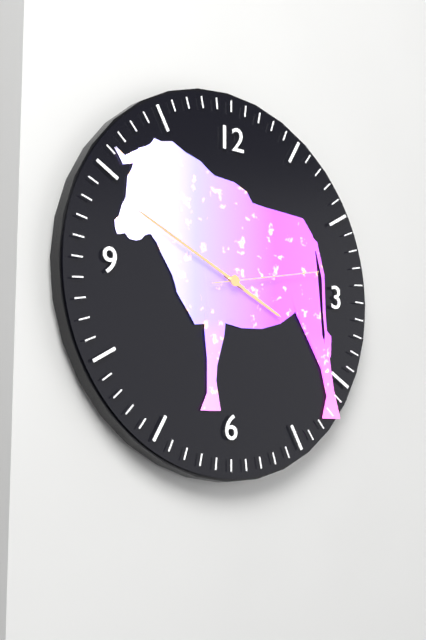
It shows 3h49m13s
